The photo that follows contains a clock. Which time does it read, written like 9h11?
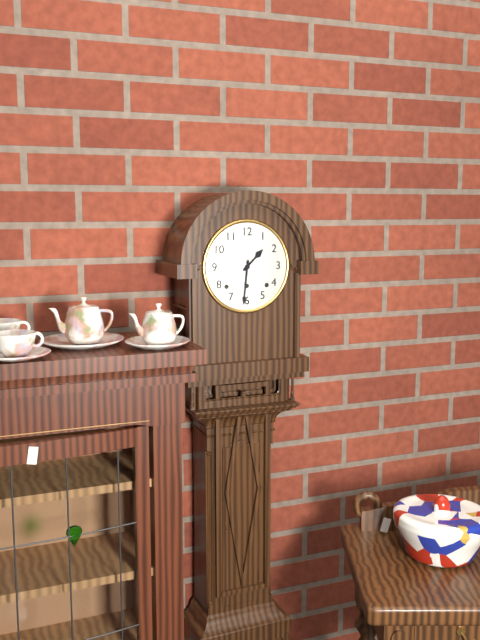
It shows 1h31
